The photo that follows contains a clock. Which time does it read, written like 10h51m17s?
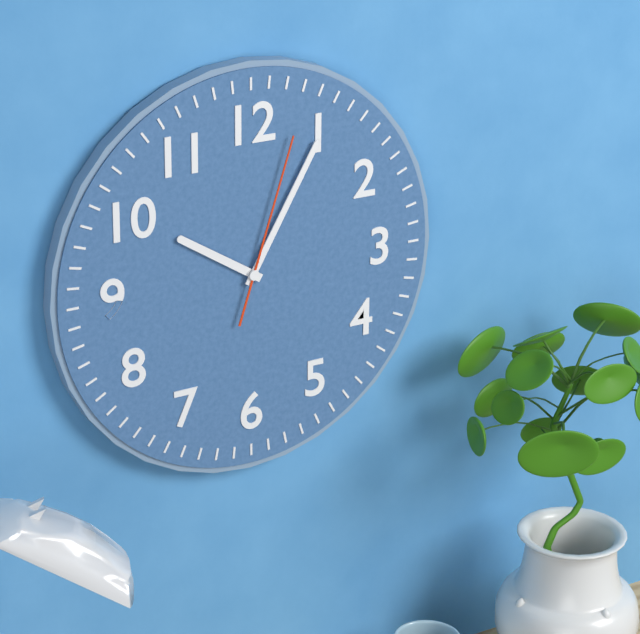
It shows 10h05m03s
